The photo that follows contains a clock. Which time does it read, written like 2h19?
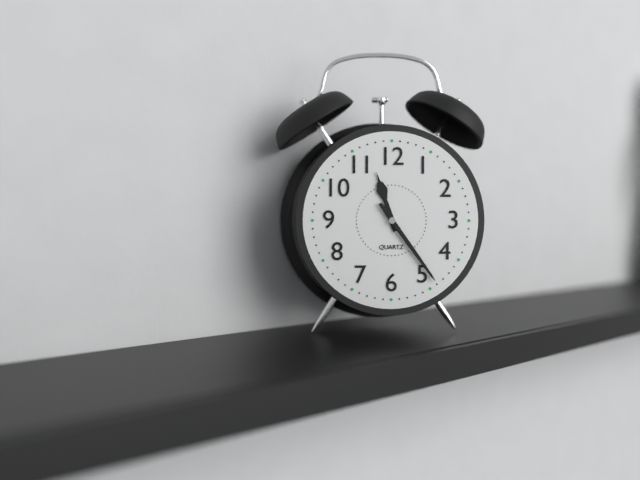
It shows 11h24
